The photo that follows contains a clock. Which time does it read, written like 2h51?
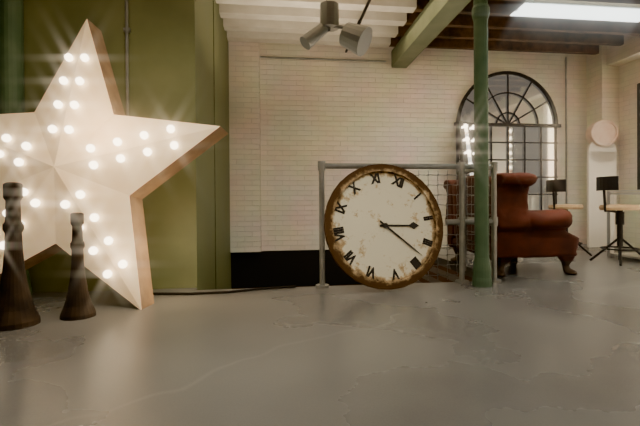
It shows 2h18
